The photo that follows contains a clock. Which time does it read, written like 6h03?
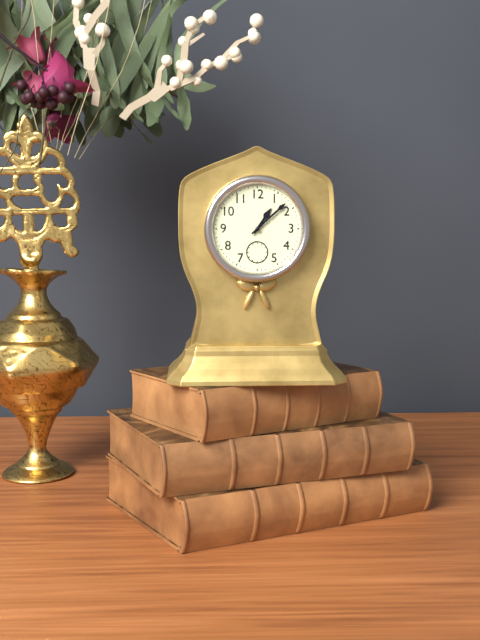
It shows 1h08
